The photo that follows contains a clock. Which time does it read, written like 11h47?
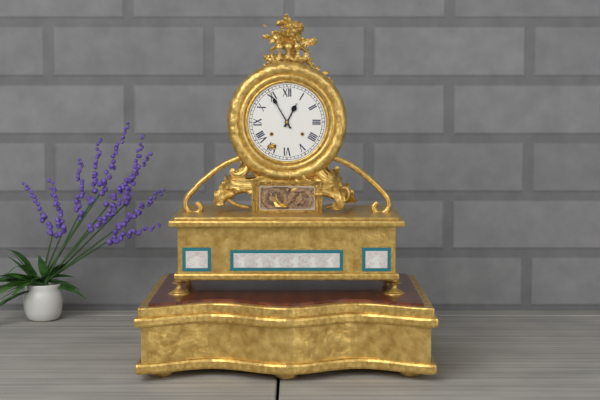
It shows 12h55
